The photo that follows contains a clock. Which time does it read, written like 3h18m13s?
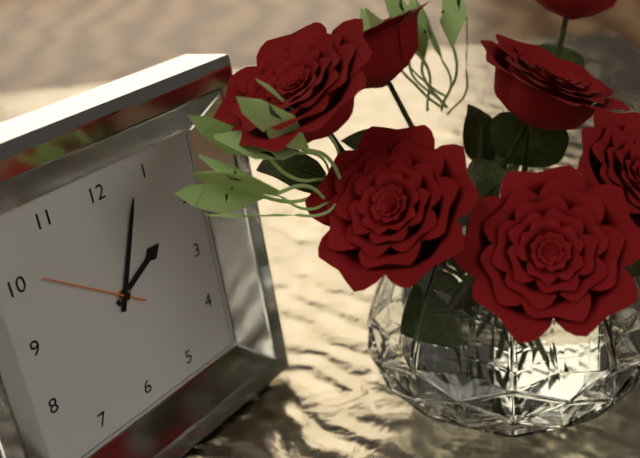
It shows 2h04m51s
